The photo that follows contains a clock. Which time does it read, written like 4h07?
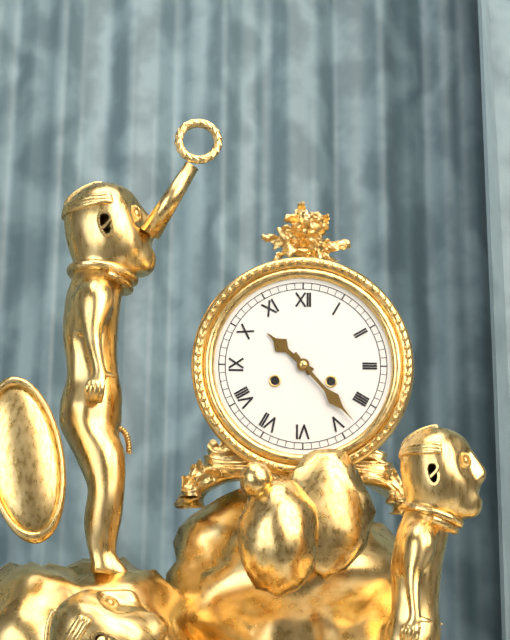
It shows 10h23
